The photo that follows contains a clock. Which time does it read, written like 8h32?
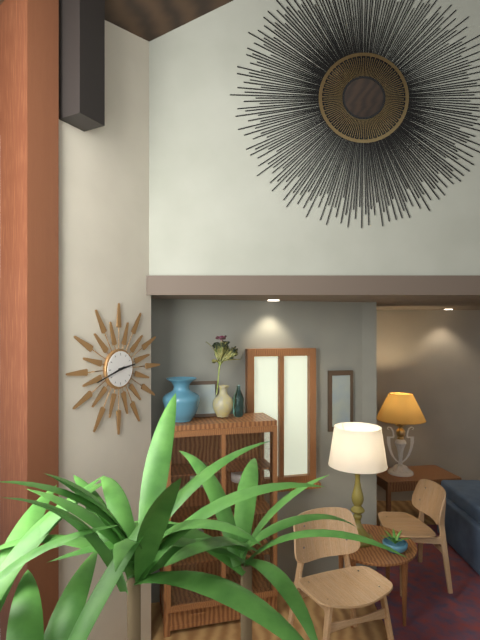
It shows 2h42
